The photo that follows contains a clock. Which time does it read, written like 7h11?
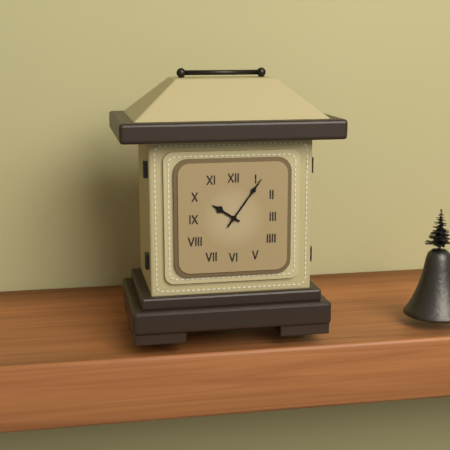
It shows 10h06
